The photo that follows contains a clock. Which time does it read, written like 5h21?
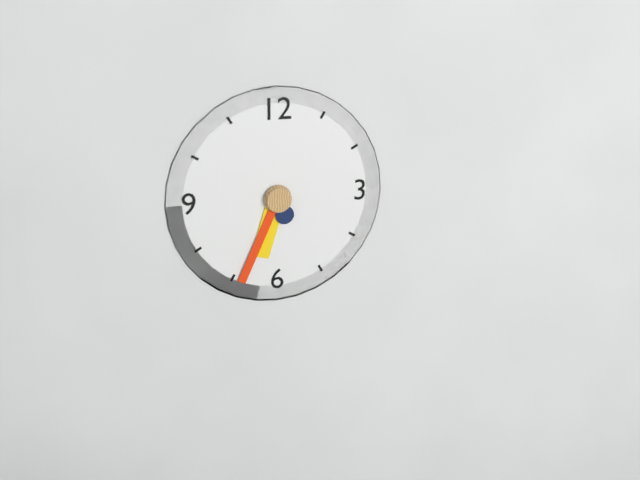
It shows 6h34
